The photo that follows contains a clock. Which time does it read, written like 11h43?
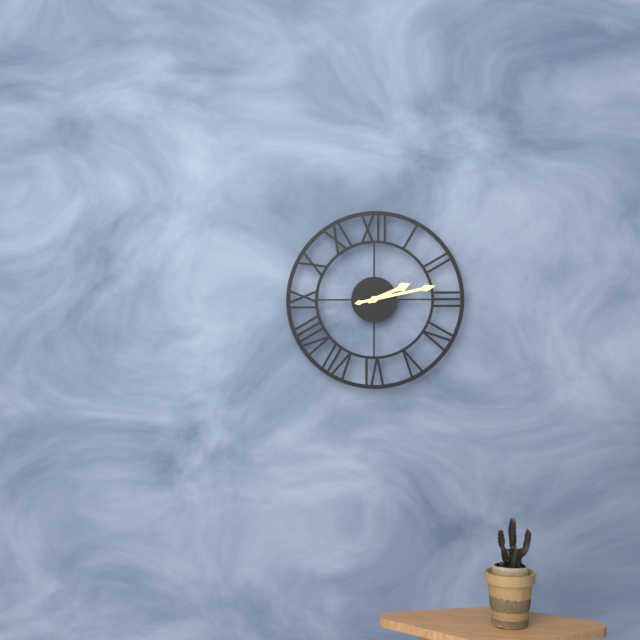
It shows 2h13
